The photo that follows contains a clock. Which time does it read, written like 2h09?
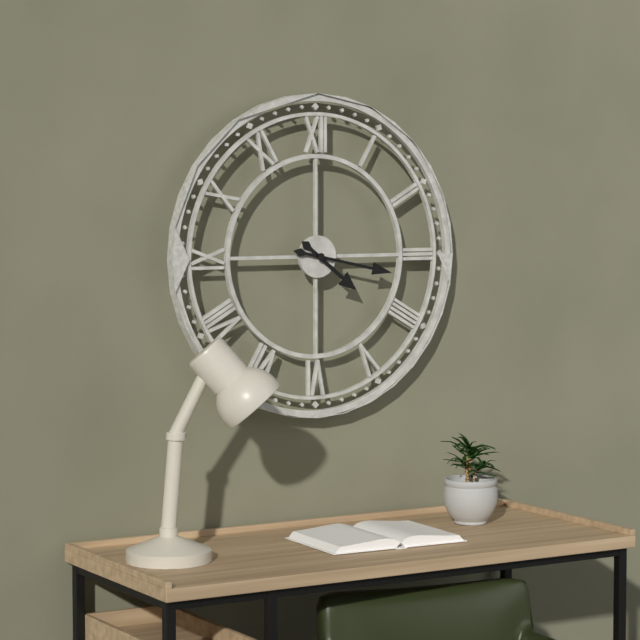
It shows 4h17
